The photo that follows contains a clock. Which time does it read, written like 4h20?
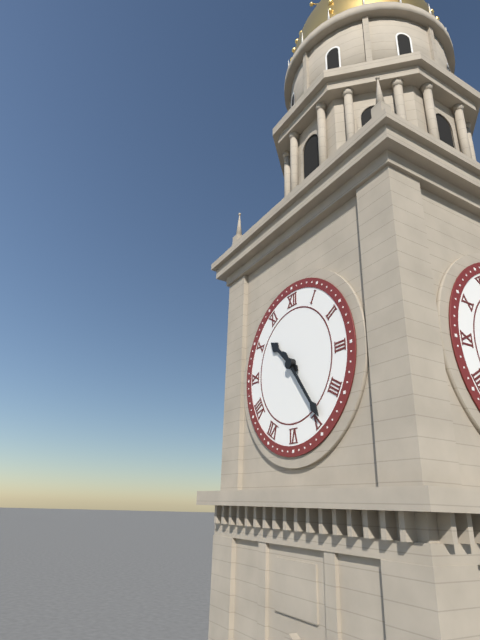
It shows 10h24
